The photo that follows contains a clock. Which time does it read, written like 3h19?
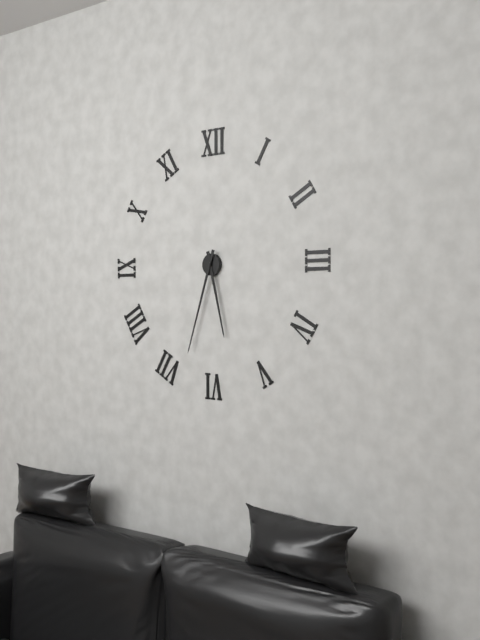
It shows 5h33
